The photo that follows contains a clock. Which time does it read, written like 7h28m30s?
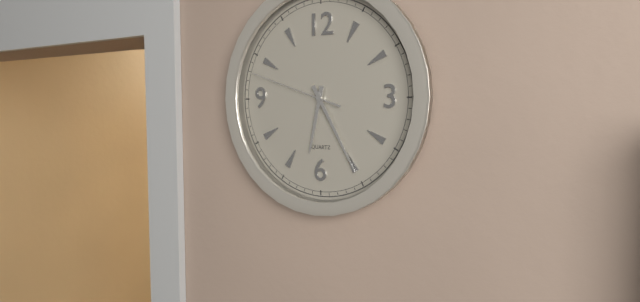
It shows 6h25m48s
